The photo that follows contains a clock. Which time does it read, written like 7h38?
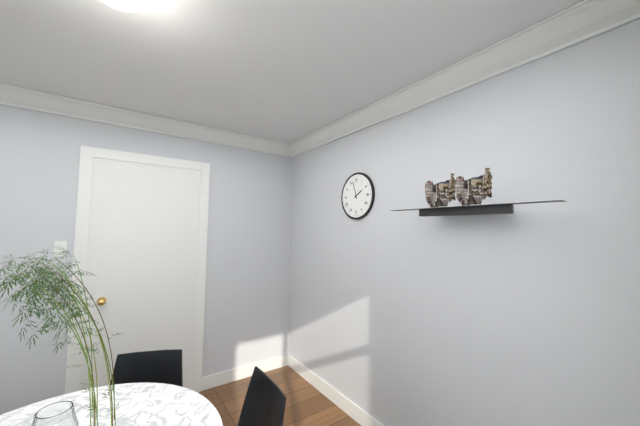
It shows 1h57
